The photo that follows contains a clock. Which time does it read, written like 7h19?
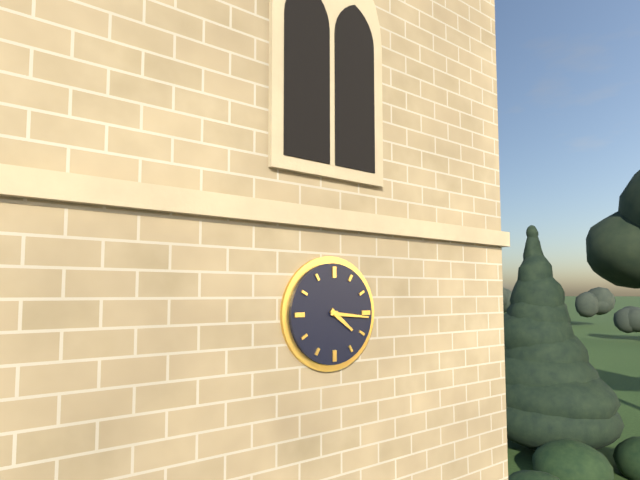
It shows 4h16
